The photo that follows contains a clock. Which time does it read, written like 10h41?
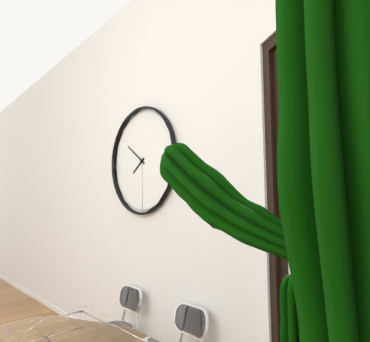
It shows 7h51
